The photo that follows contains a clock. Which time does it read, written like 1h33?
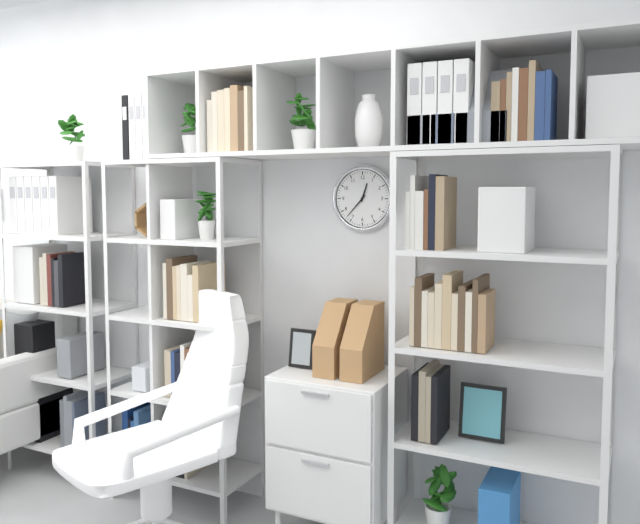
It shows 12h37
